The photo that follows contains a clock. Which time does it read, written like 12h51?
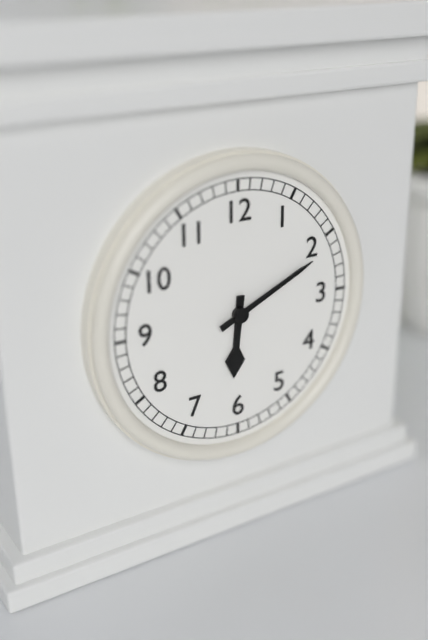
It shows 6h11
